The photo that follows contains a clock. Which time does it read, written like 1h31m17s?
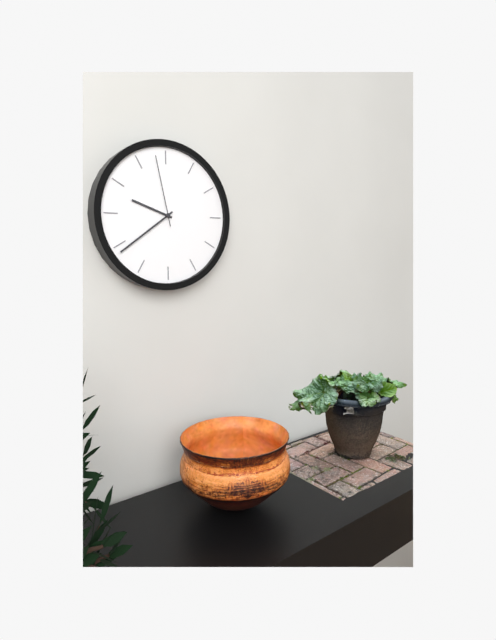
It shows 9h39m58s
